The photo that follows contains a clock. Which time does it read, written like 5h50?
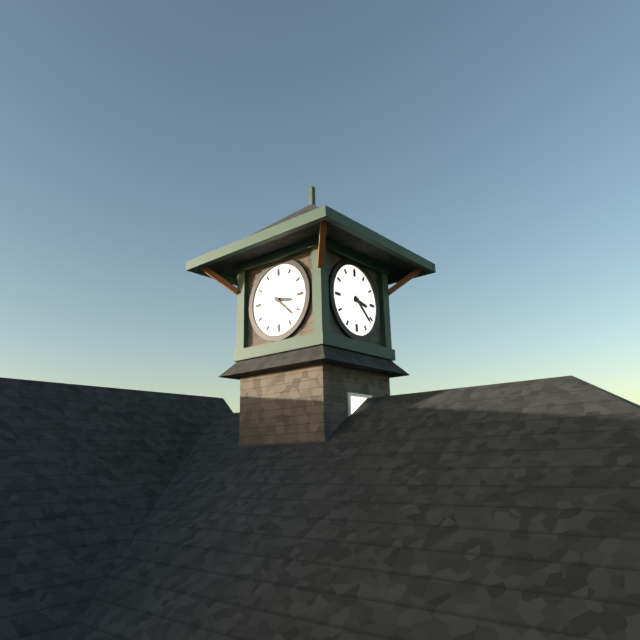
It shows 3h22
